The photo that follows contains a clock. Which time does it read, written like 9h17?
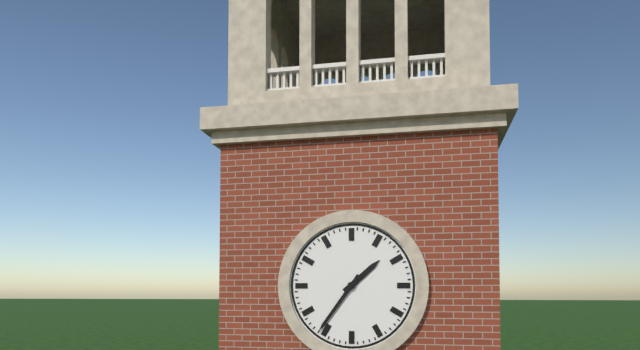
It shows 1h36
